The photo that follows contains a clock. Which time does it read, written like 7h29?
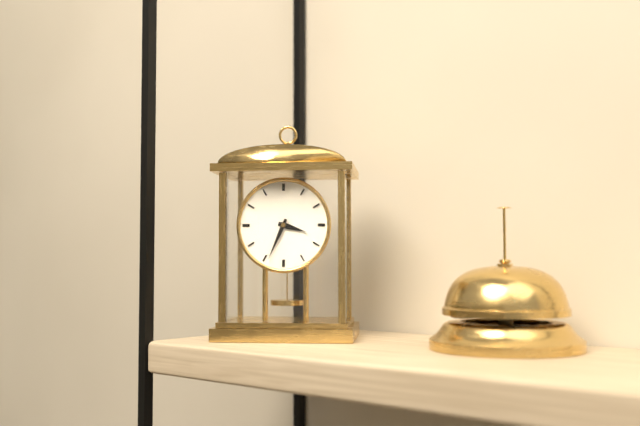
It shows 3h34
